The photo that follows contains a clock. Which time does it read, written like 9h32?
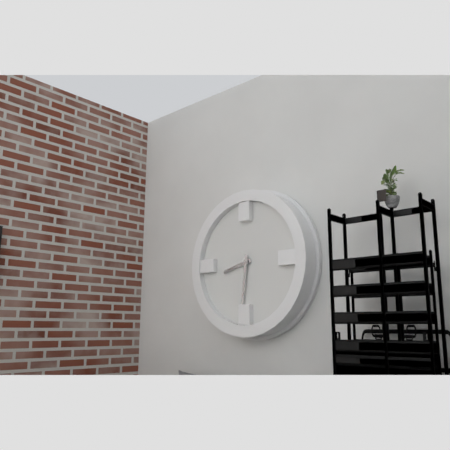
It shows 8h31
